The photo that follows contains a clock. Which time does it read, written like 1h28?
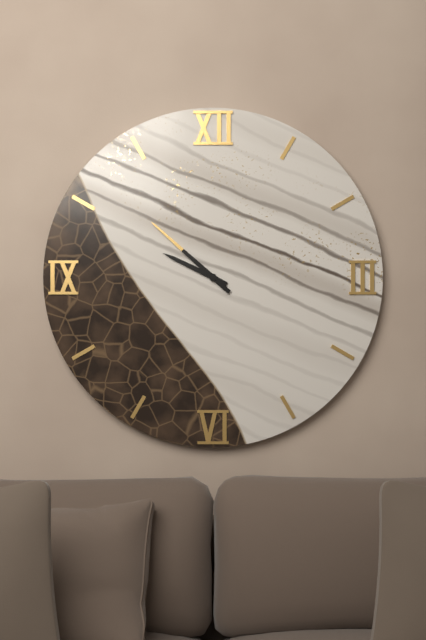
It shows 9h52
